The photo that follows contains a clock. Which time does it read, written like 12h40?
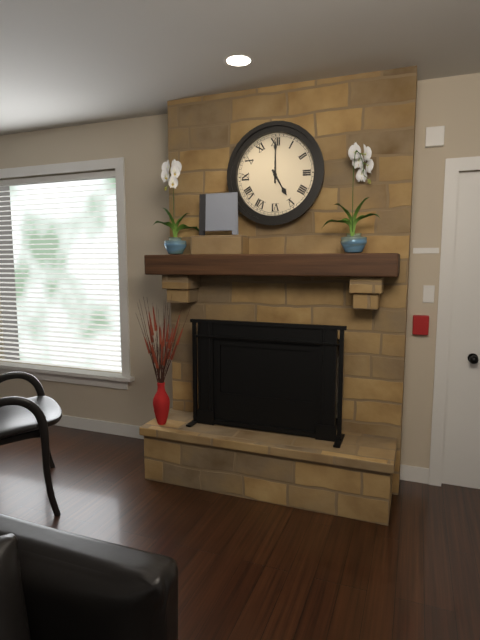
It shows 5h00
